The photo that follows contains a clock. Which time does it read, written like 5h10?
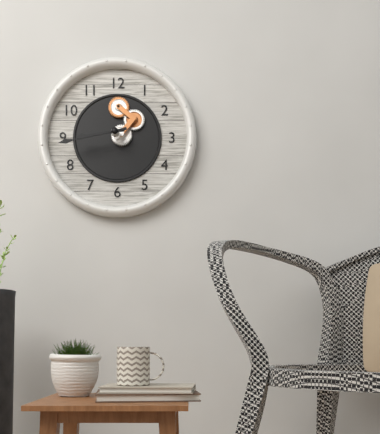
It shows 8h43
